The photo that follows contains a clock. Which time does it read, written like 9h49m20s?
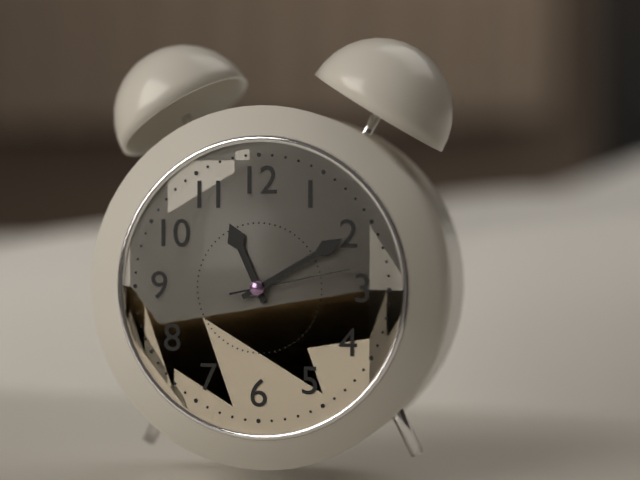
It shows 11h10m13s
